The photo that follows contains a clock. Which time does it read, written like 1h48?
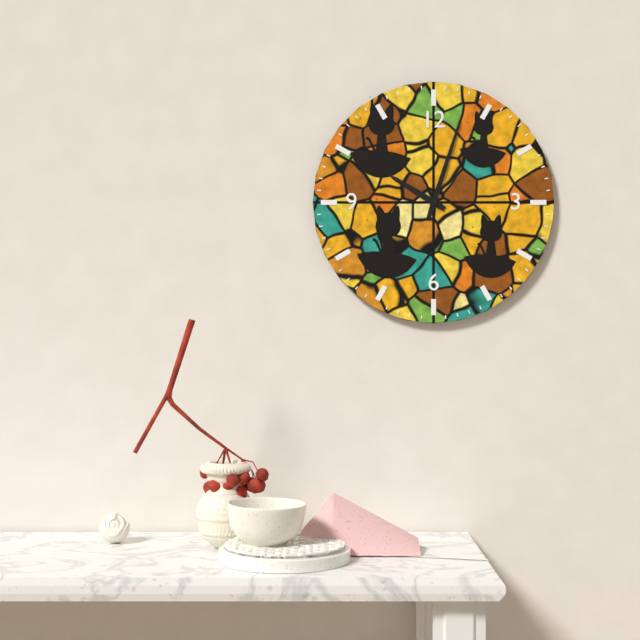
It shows 10h03
